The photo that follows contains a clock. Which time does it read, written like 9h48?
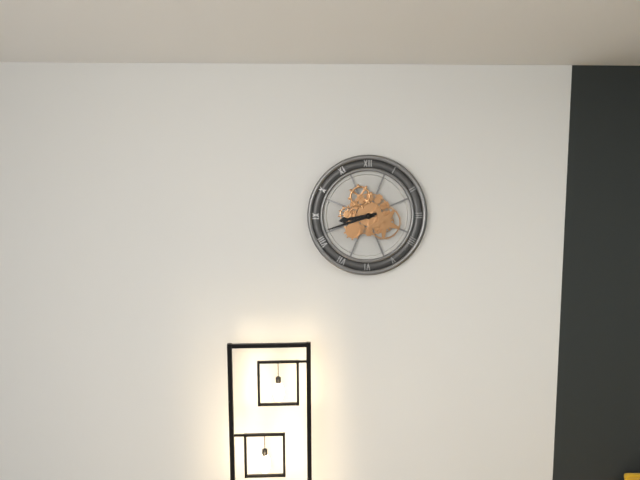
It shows 8h42
